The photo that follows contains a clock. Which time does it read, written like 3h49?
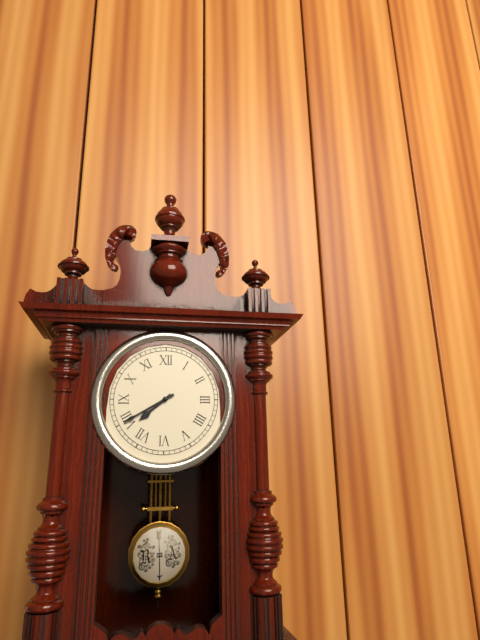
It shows 7h40
